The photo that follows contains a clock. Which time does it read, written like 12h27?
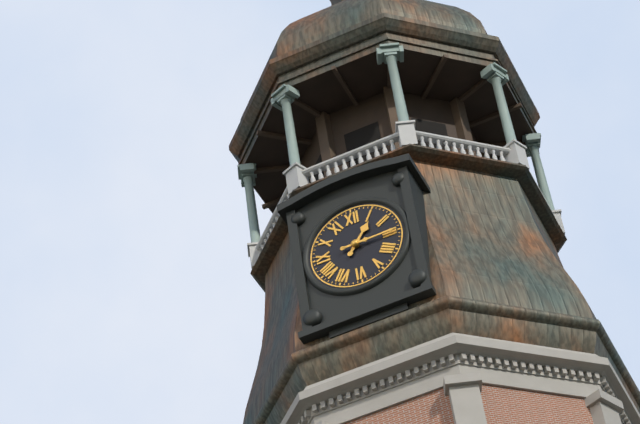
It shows 1h15
